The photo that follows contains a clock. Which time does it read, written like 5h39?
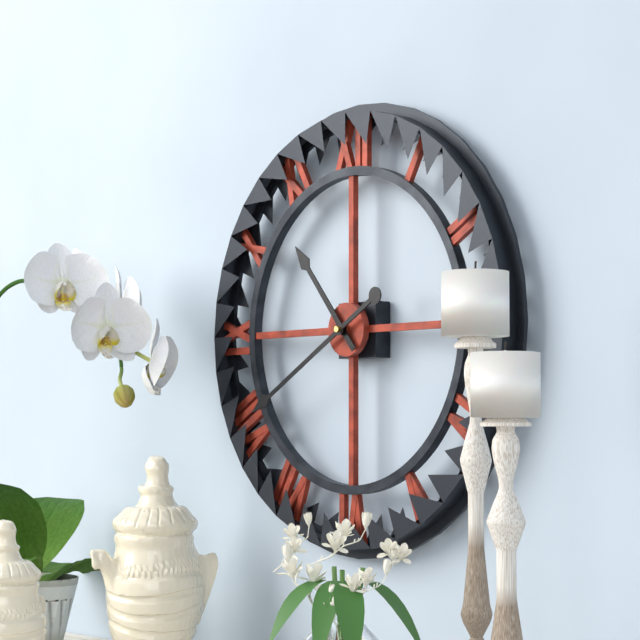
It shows 10h40
